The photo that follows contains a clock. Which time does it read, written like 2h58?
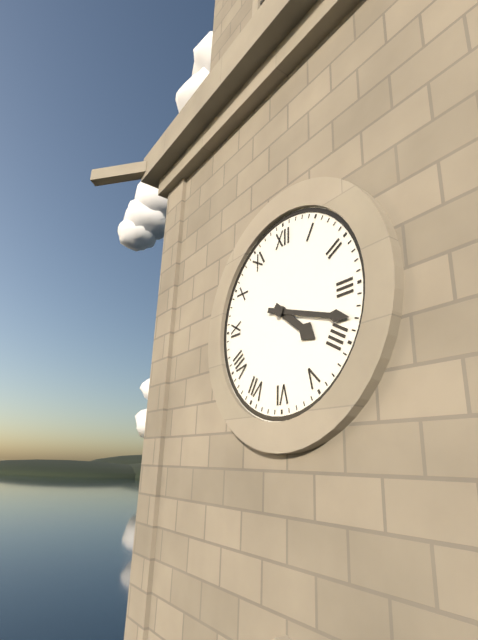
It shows 4h18
